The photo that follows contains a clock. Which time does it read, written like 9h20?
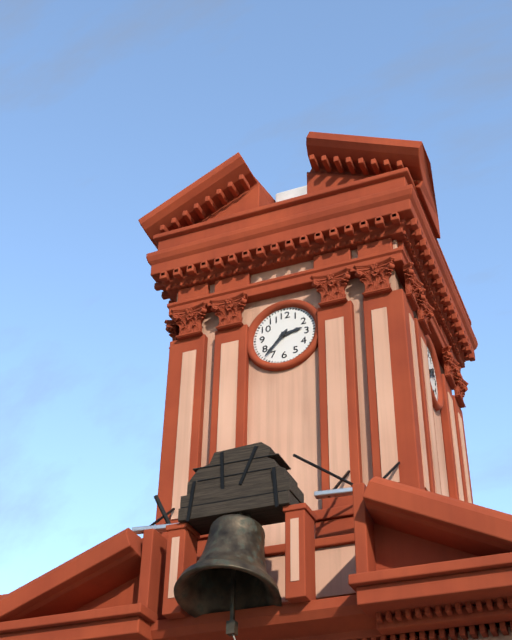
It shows 2h37
